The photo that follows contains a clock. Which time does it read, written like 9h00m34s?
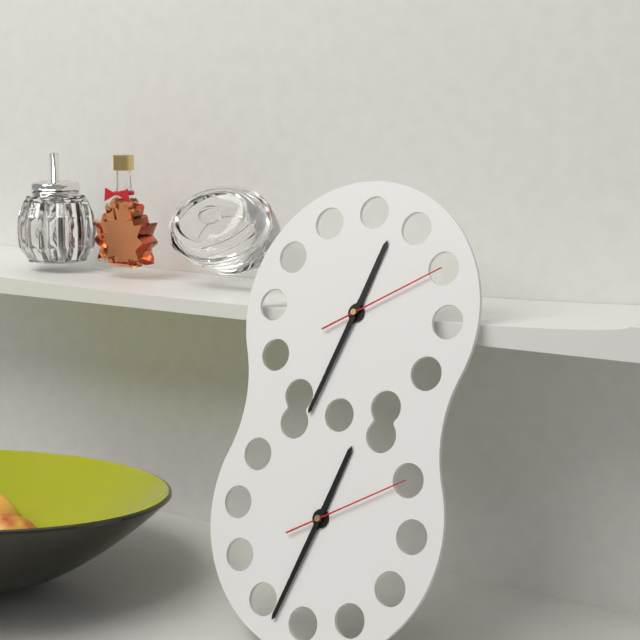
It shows 12h33m10s
